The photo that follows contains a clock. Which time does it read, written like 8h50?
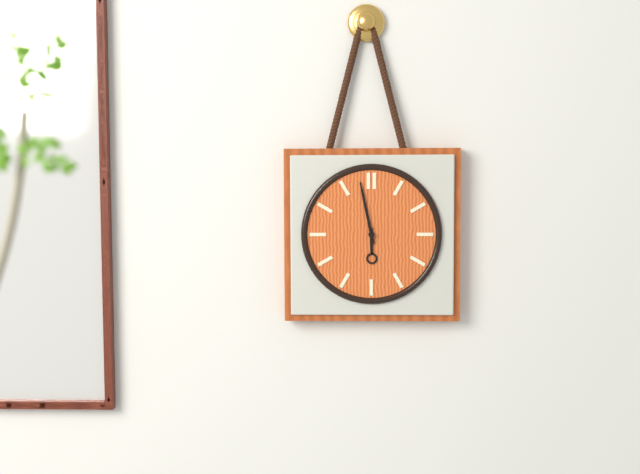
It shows 5h58
